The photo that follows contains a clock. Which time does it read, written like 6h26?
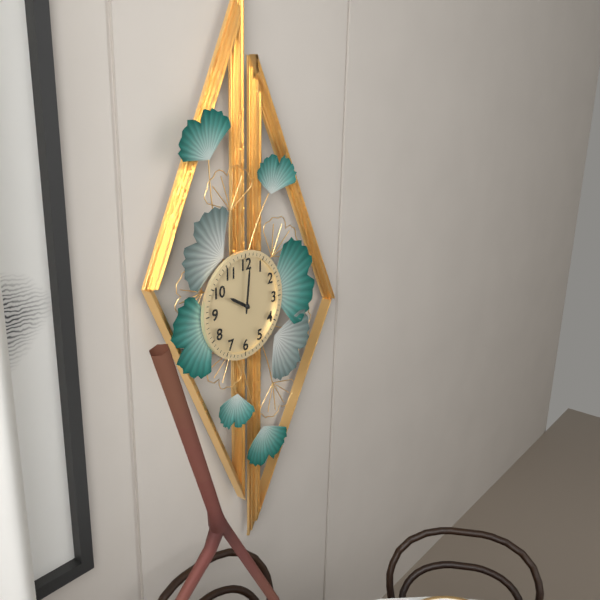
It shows 10h01
